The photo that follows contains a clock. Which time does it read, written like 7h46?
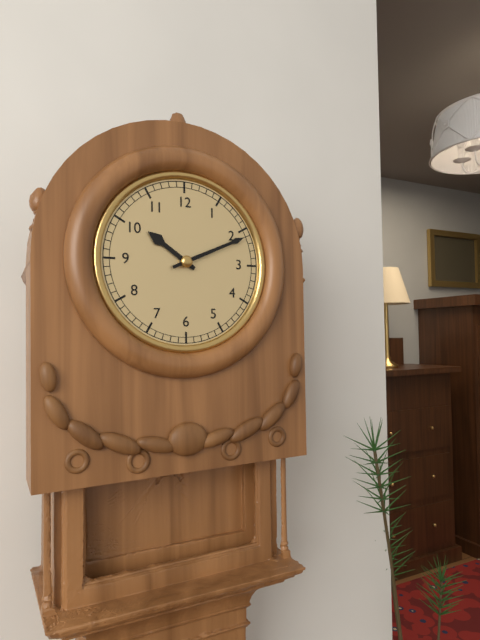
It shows 10h11
